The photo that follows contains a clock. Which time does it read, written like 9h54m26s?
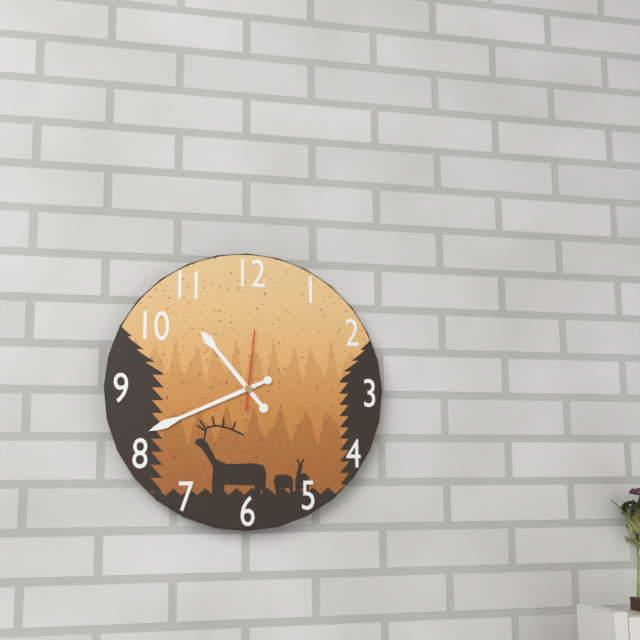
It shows 10h41m01s
